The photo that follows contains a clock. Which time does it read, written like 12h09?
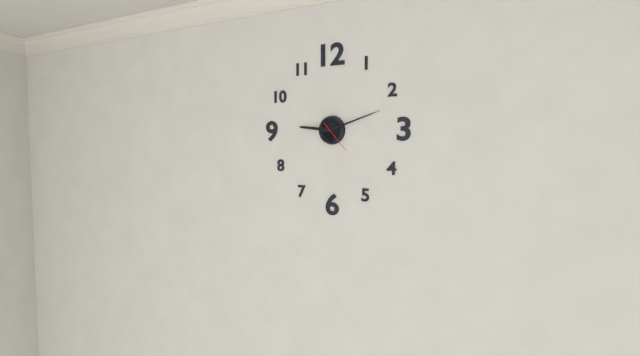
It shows 9h12
